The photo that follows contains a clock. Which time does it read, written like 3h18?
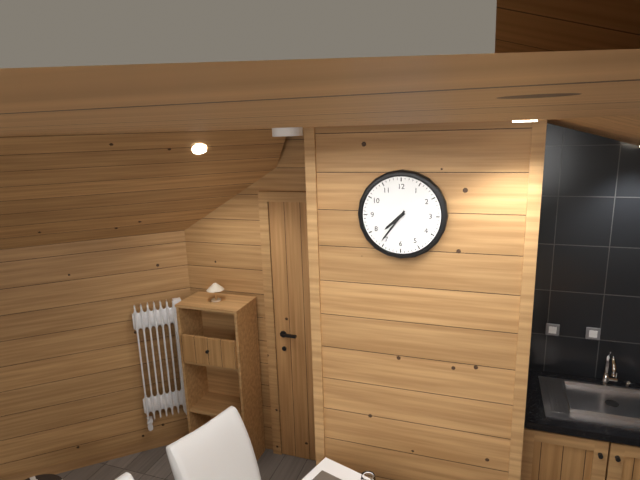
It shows 7h36
